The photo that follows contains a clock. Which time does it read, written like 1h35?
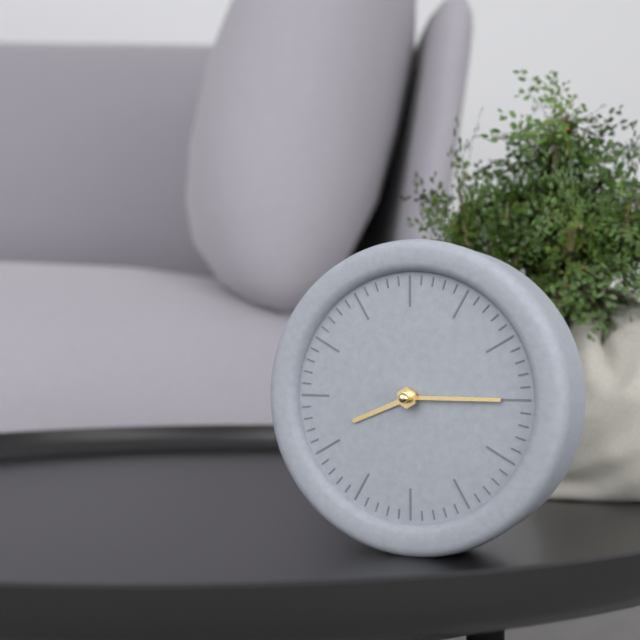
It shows 8h15
